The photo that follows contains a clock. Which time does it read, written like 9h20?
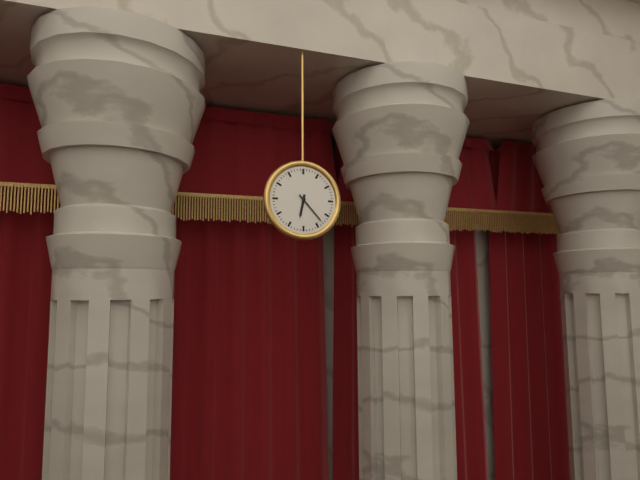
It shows 6h23
